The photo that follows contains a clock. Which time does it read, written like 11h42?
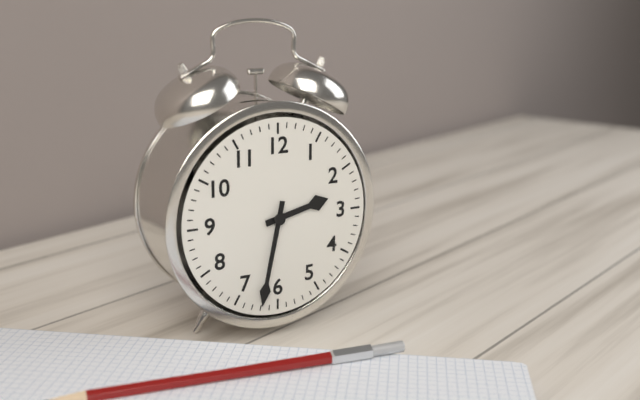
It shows 2h32
